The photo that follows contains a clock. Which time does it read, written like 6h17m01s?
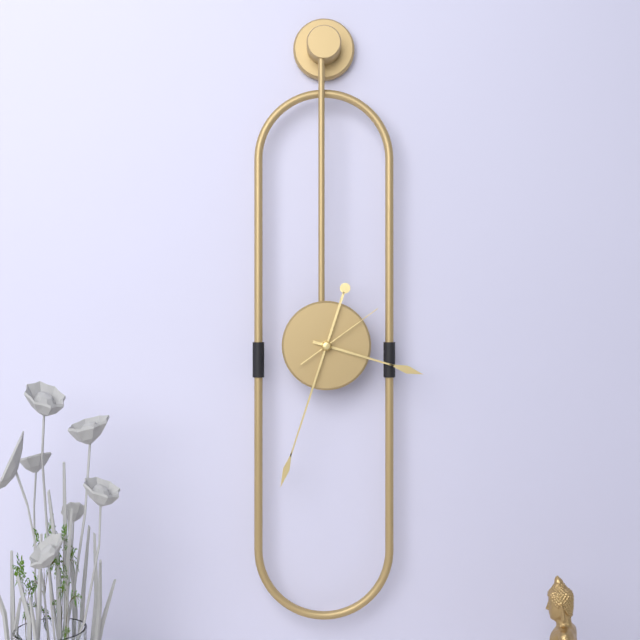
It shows 3h33m09s
